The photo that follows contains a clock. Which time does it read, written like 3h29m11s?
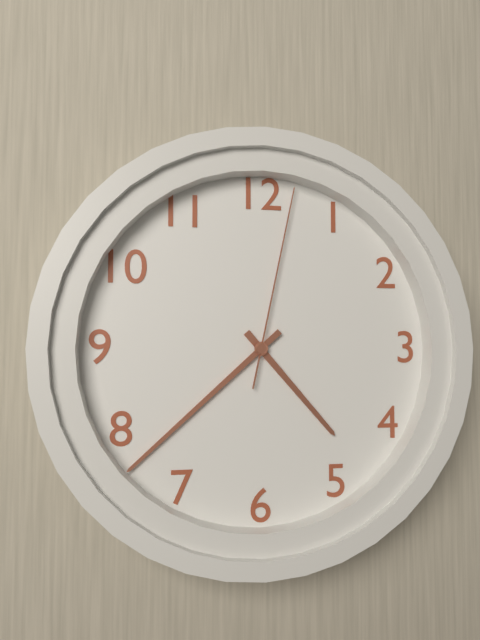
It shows 4h38m02s
